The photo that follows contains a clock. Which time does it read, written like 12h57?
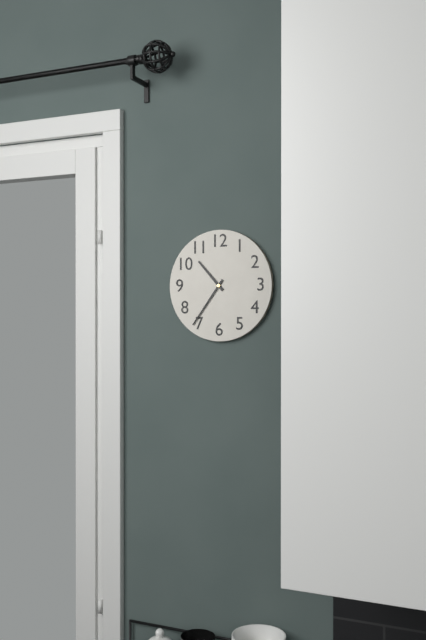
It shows 10h36
